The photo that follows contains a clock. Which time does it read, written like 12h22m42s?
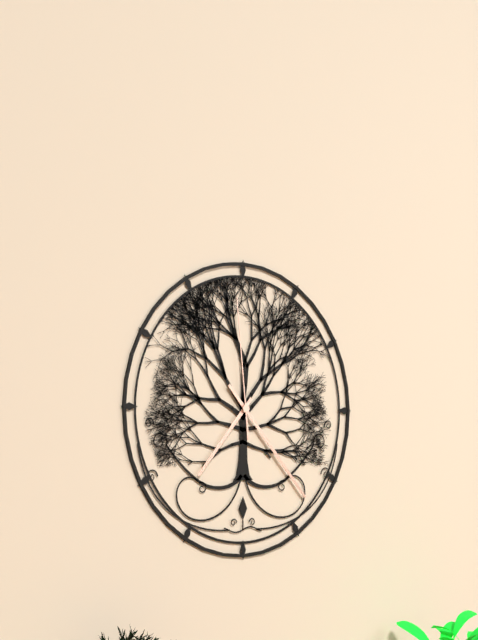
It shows 7h23m59s
